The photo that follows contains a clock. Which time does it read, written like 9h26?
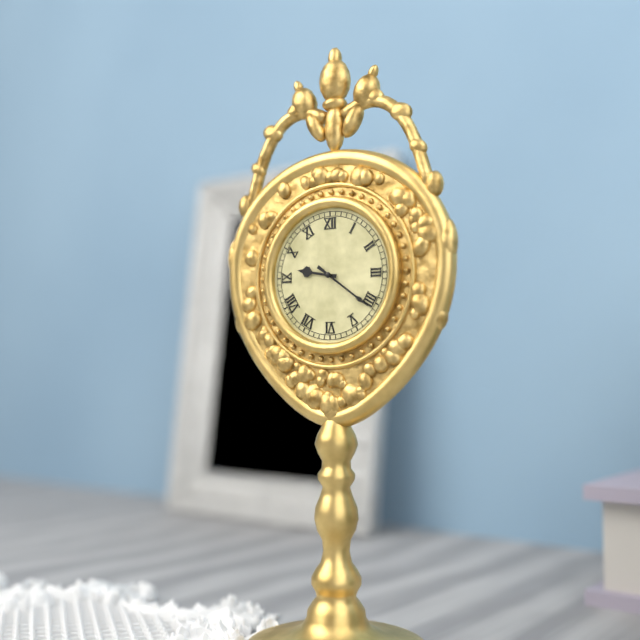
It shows 9h21
